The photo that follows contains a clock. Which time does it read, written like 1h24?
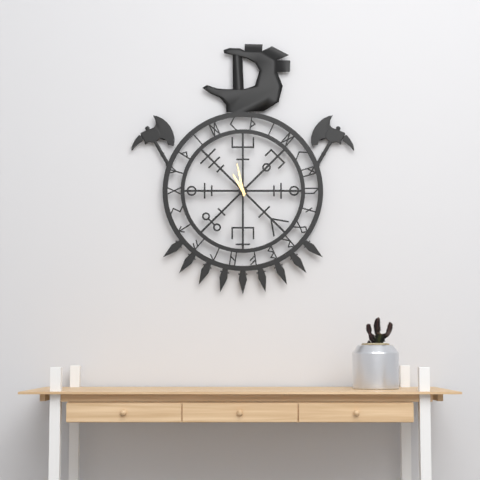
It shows 10h58
